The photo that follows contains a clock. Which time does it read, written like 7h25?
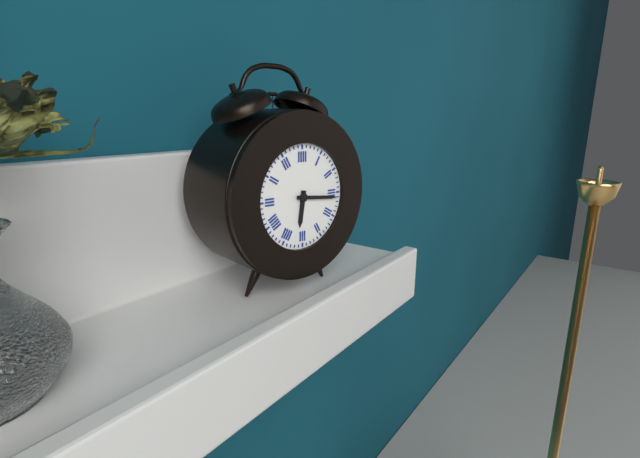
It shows 6h16
